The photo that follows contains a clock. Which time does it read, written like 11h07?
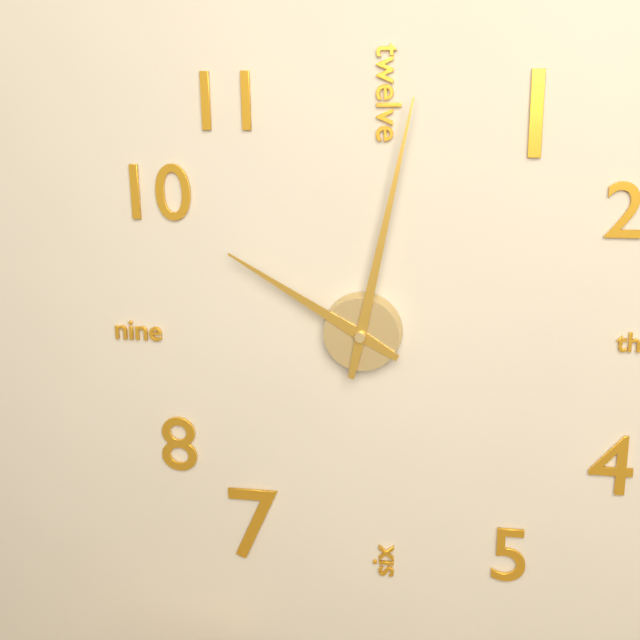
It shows 10h02
